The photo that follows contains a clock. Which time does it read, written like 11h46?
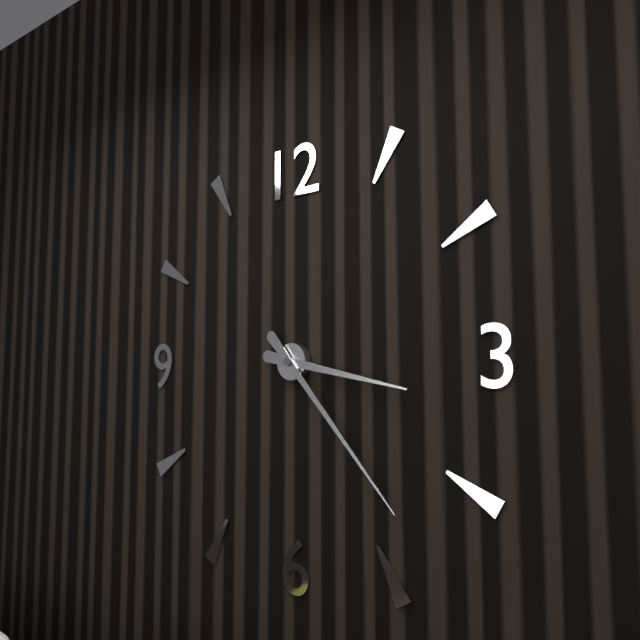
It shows 3h23
